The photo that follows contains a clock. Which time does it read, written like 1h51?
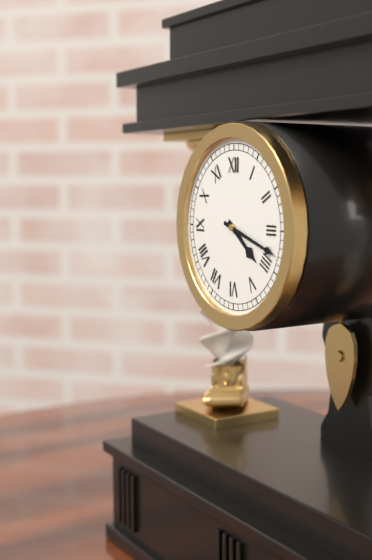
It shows 4h18
